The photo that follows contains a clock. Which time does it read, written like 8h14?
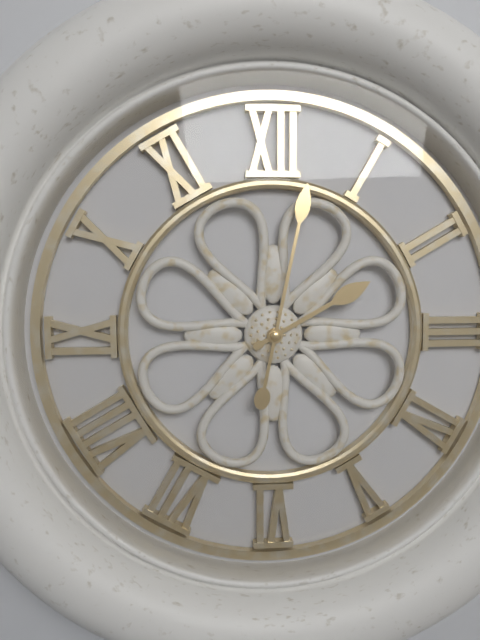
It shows 2h02
